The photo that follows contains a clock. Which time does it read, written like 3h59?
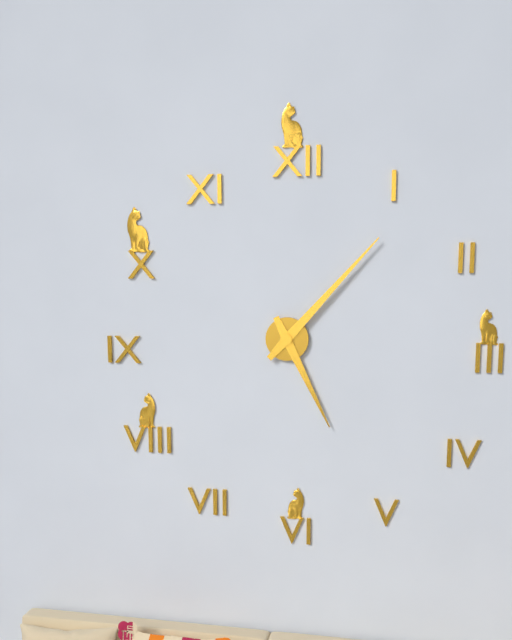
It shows 5h07
